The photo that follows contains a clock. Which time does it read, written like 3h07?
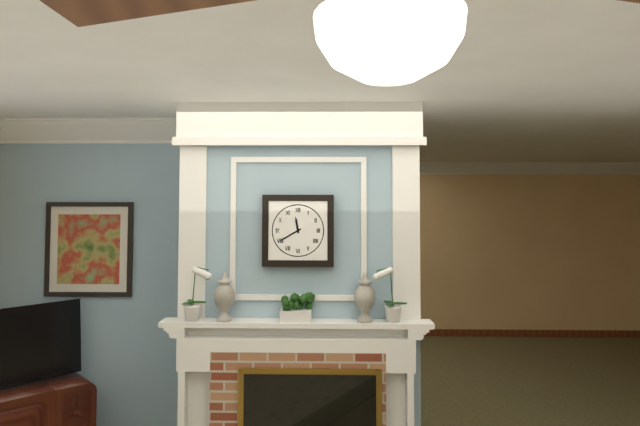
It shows 11h40
